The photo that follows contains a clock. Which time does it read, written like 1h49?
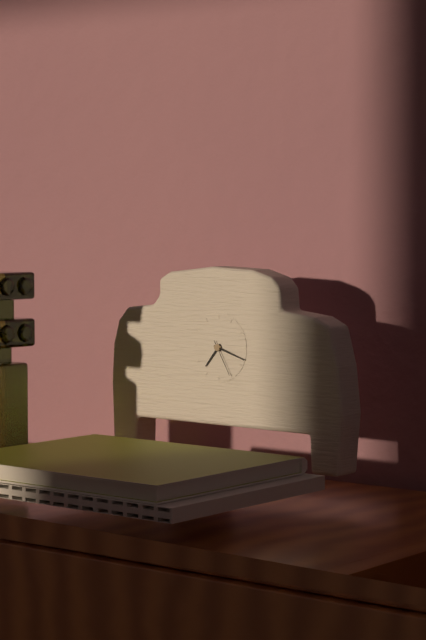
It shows 7h18
